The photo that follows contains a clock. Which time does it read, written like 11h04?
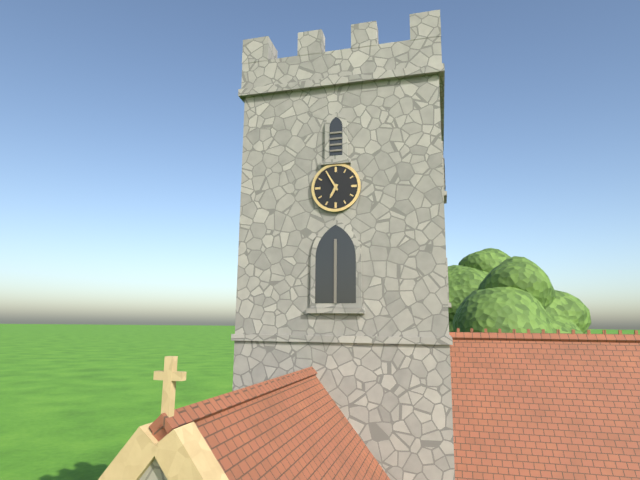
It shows 6h55
